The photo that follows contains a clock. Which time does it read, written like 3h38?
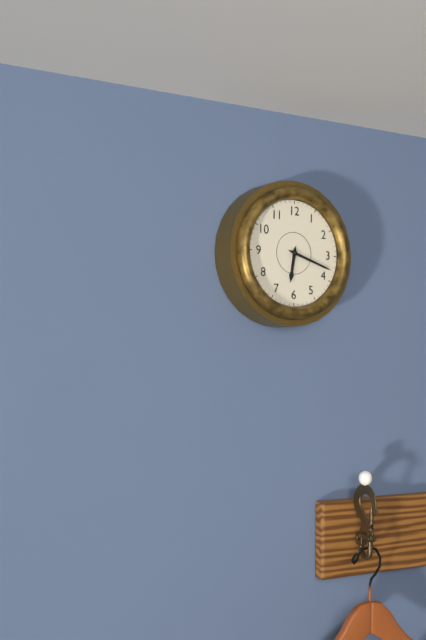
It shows 6h18
